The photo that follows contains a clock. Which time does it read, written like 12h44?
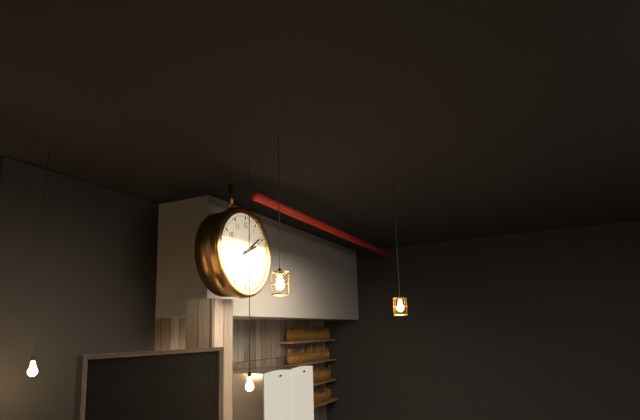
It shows 2h09
